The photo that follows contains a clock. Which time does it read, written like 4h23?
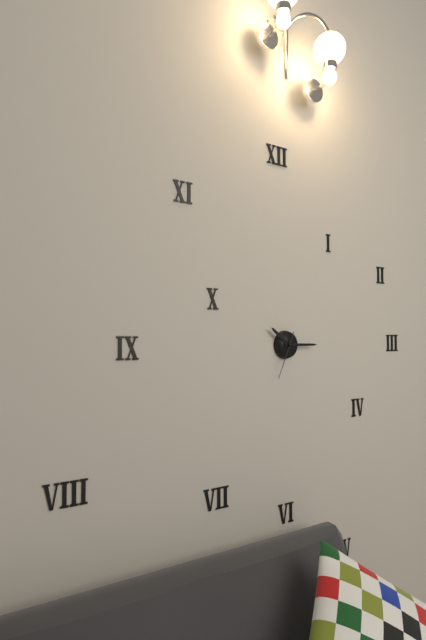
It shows 10h15
